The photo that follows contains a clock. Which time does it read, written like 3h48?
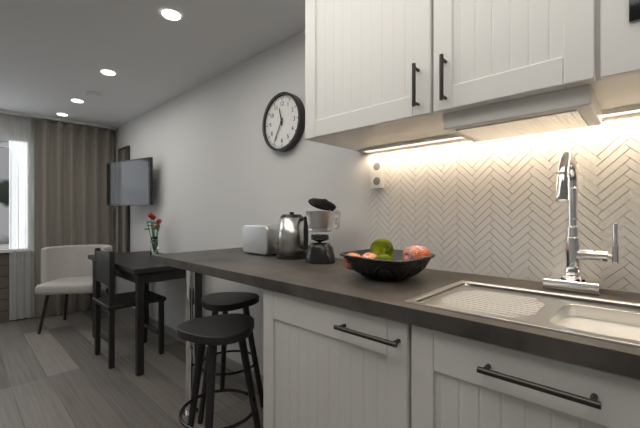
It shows 11h35
